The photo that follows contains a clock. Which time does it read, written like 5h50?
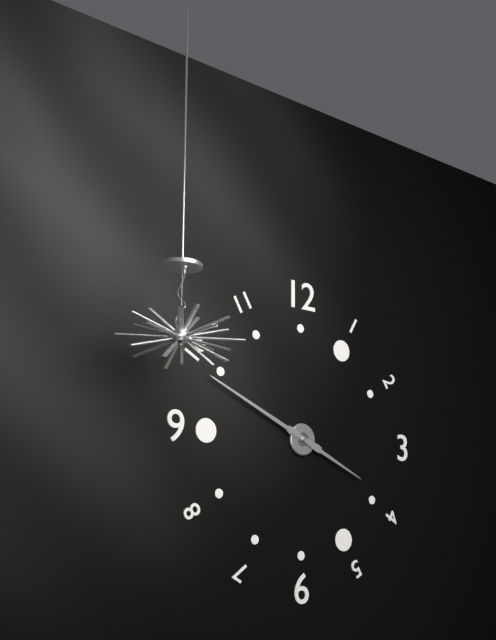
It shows 3h49
